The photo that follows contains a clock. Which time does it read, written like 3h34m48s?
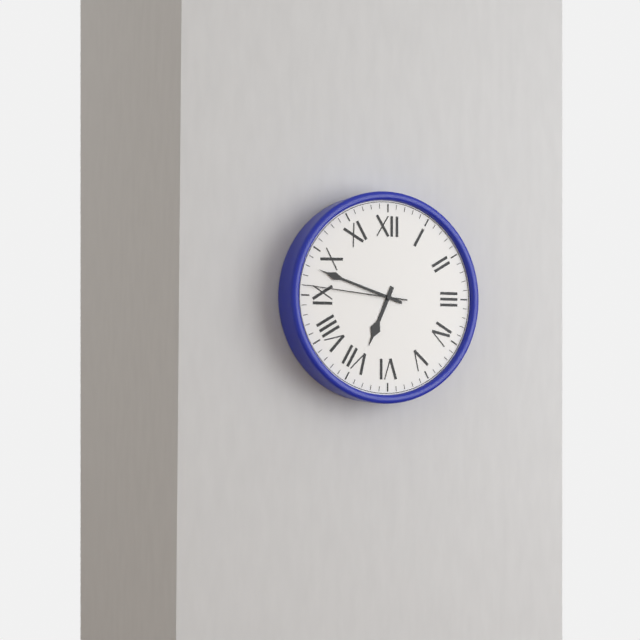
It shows 6h48m46s
